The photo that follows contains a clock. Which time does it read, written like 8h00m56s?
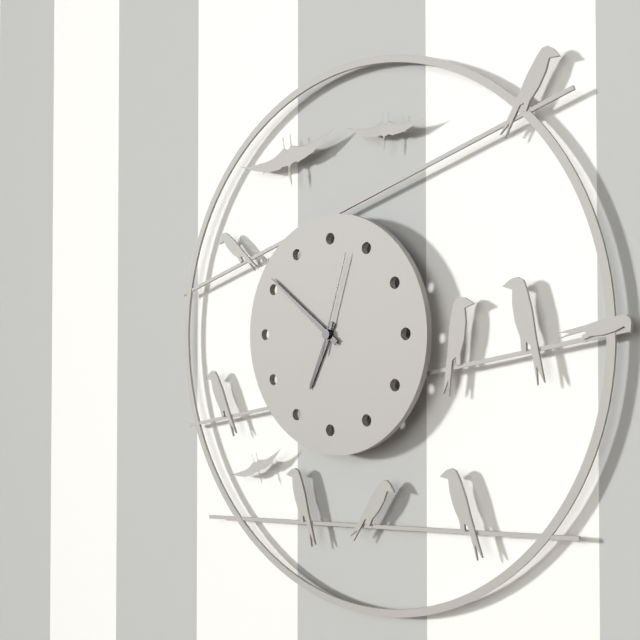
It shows 6h51m03s
